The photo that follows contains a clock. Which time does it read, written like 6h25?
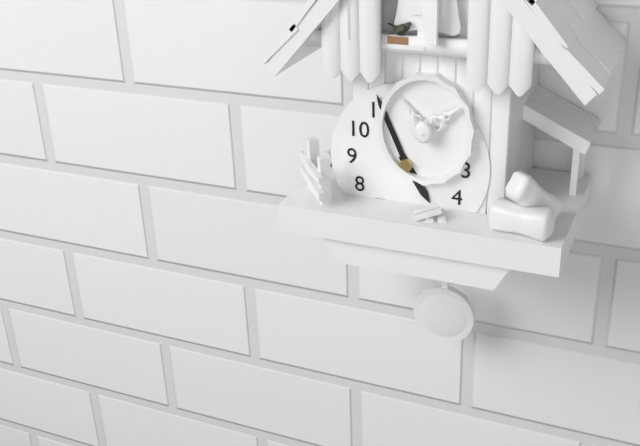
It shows 4h56
